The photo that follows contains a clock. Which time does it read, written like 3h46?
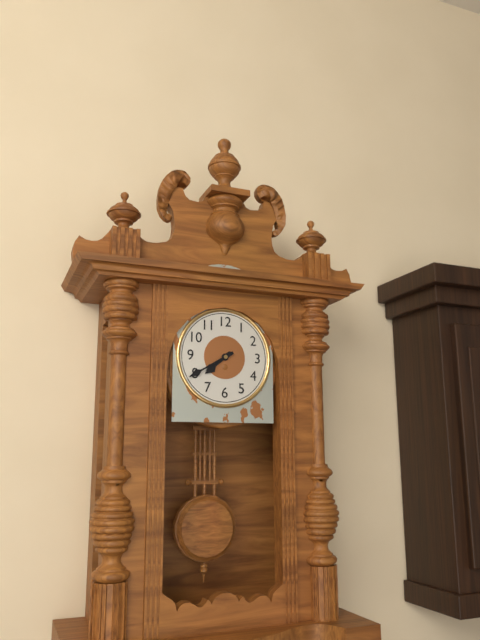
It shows 7h40
